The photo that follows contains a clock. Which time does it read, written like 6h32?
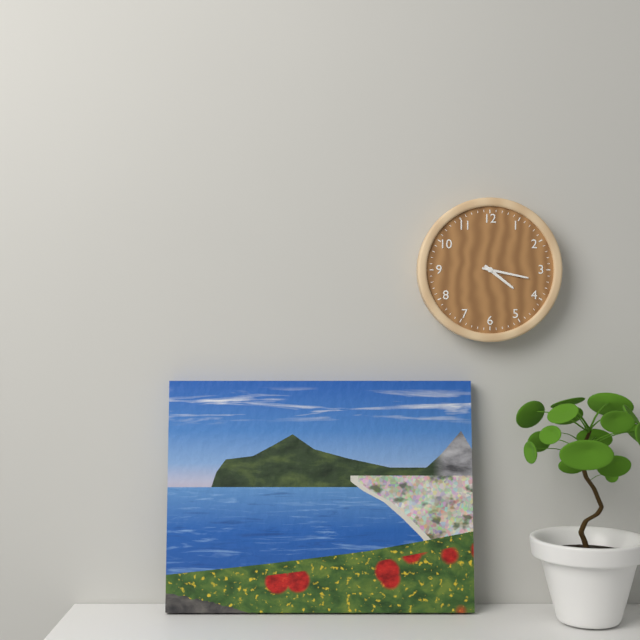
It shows 4h17
